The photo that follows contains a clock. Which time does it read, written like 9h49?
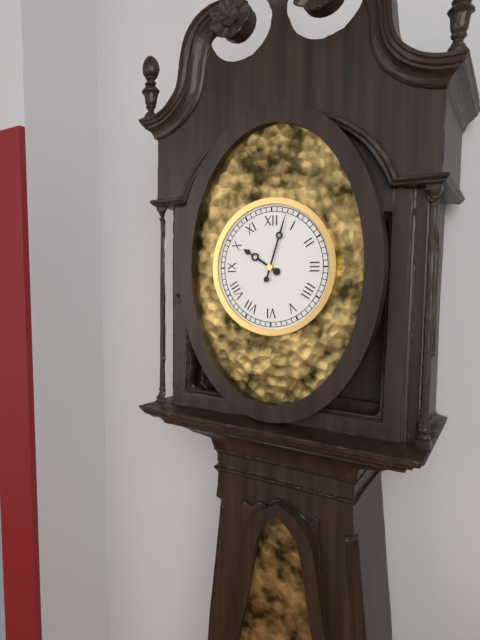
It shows 10h03
